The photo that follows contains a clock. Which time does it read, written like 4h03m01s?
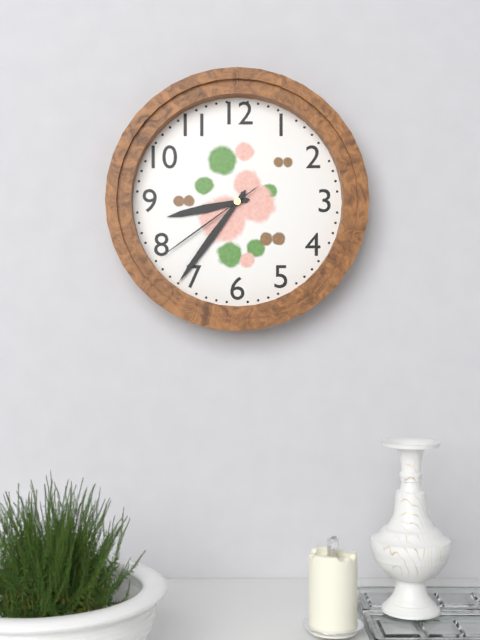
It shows 8h36m39s
